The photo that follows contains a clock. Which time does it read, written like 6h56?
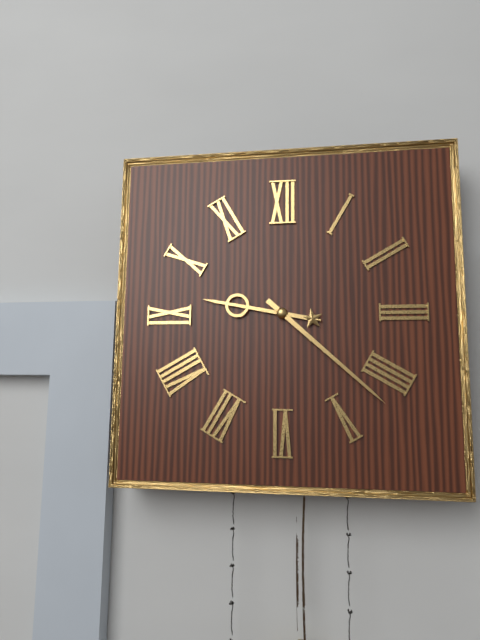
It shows 9h22
